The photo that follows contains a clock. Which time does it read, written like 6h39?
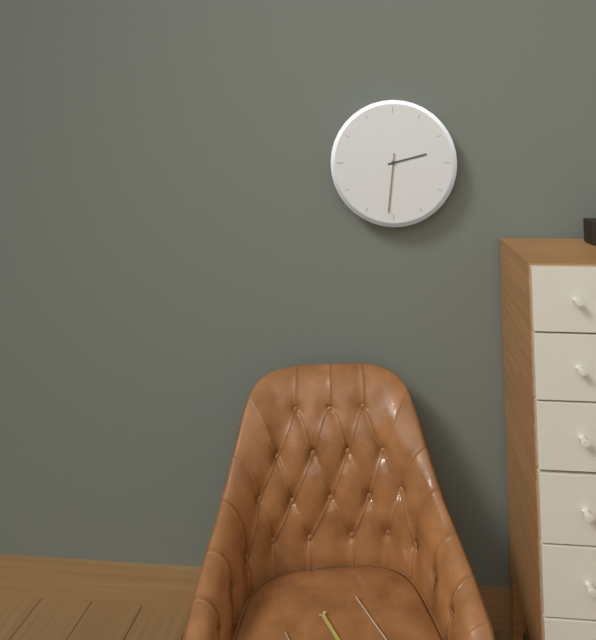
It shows 2h31
